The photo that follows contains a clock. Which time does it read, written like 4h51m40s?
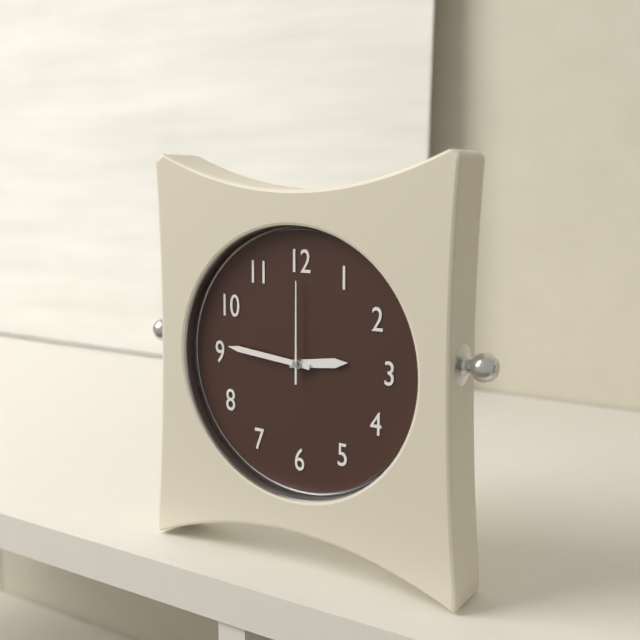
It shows 2h46m00s
